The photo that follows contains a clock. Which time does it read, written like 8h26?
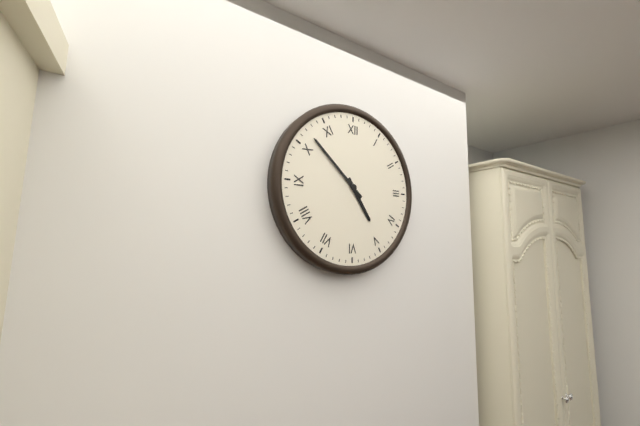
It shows 4h52
